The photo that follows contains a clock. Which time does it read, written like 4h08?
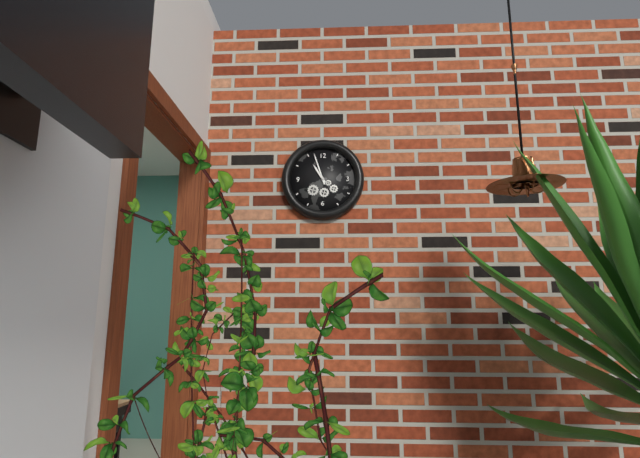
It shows 10h57
